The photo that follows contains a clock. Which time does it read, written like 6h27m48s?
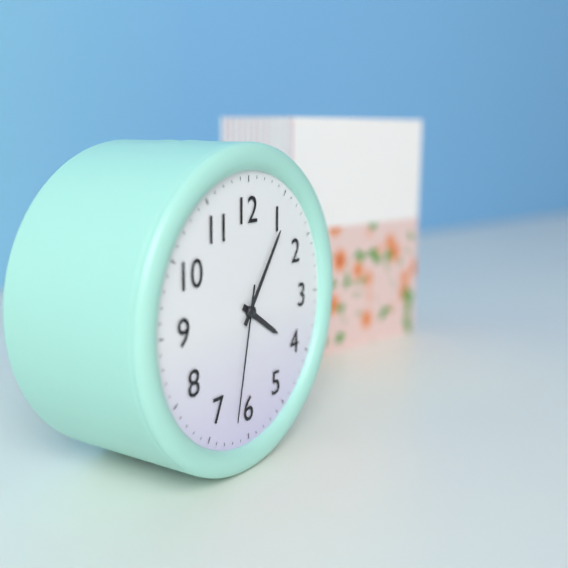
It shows 4h06m32s
